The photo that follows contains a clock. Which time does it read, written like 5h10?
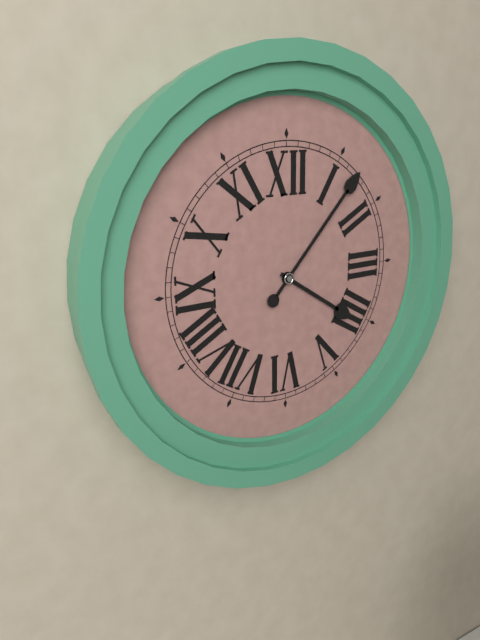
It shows 4h07
